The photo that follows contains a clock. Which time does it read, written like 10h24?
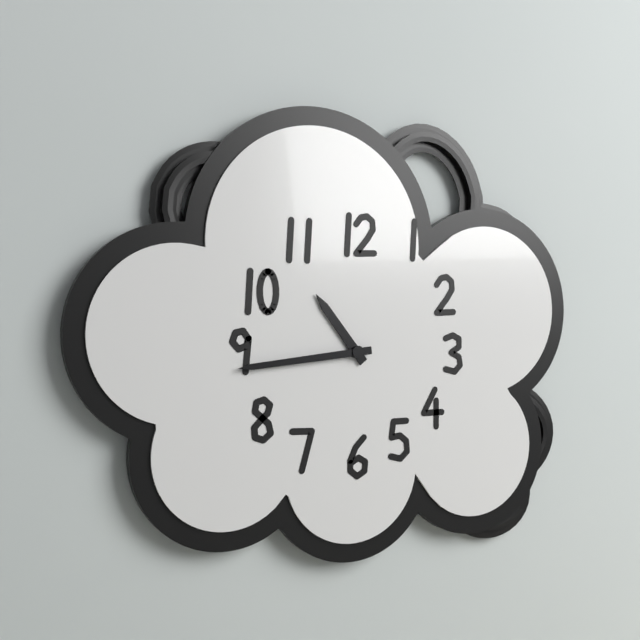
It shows 10h44
